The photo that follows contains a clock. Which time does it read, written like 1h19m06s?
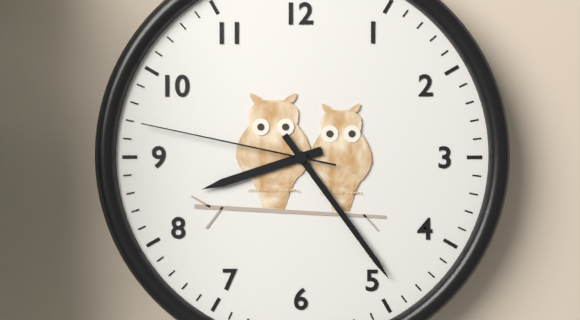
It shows 8h24m47s
